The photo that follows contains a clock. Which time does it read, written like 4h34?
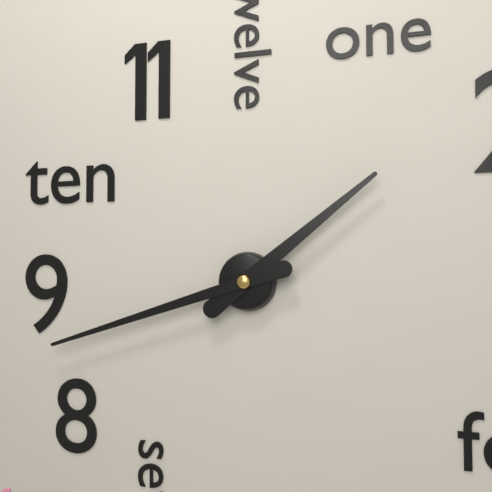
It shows 1h42
